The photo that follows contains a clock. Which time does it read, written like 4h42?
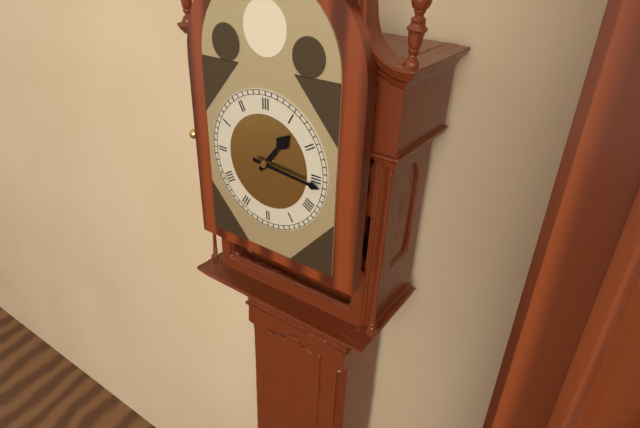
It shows 1h16
